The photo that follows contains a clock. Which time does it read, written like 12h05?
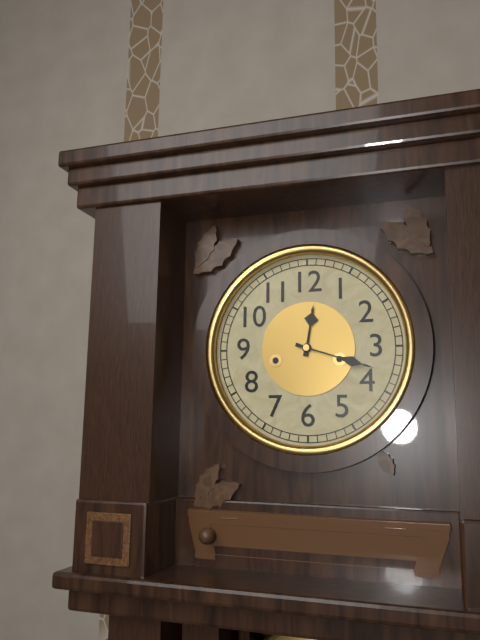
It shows 12h18
